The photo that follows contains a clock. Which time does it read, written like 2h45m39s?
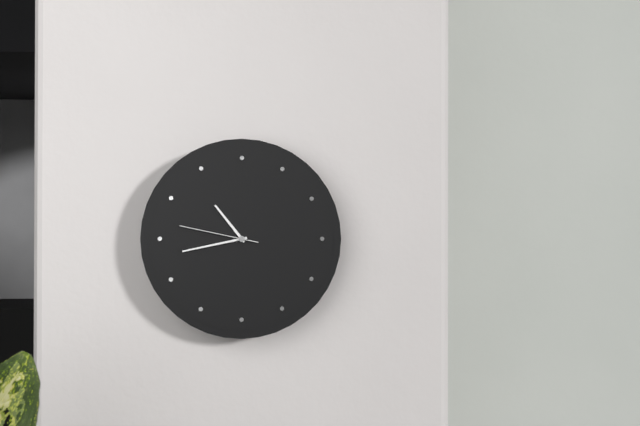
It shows 10h43m47s
